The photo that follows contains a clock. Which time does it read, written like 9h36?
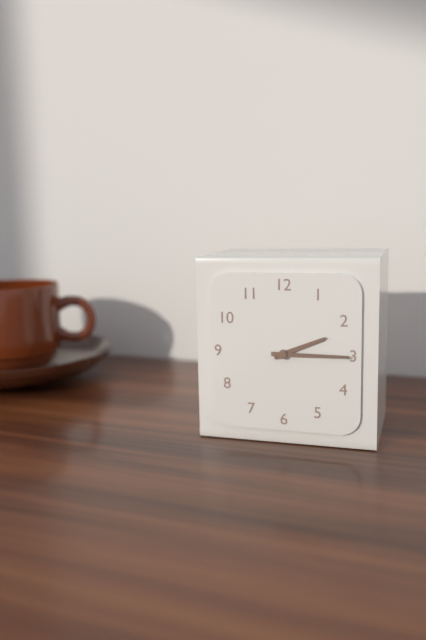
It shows 2h15
